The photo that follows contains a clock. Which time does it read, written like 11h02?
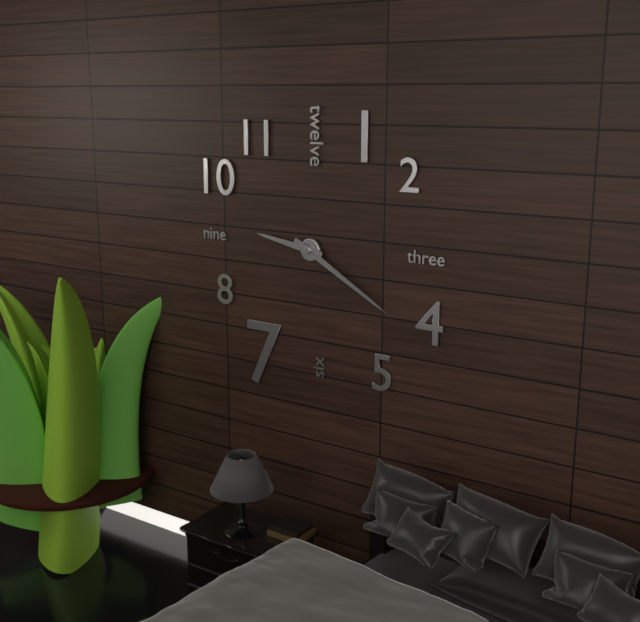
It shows 9h20
